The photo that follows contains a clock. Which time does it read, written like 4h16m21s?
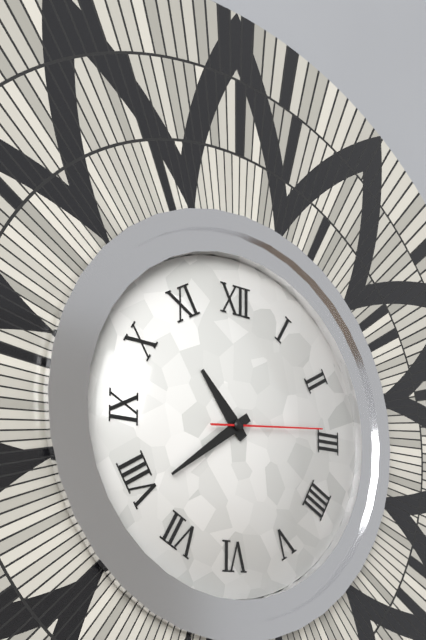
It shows 10h39m14s
